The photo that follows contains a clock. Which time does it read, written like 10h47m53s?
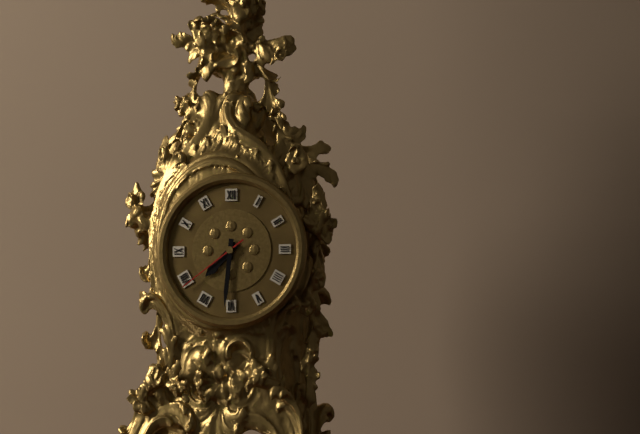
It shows 7h31m39s
